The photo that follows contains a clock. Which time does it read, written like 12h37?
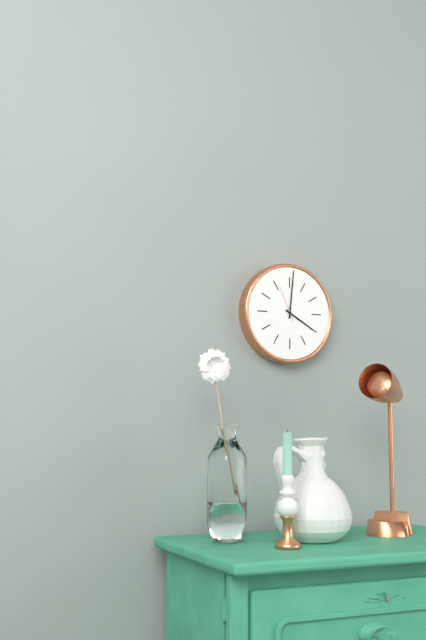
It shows 4h01
